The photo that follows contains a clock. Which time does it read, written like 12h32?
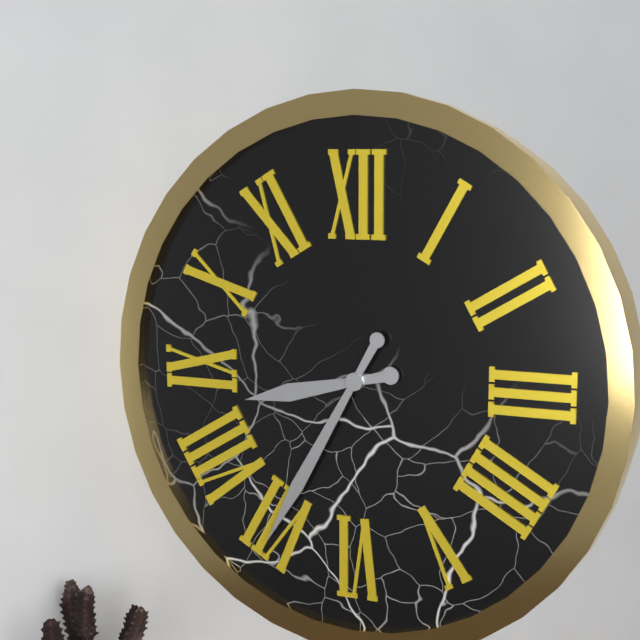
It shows 8h35
